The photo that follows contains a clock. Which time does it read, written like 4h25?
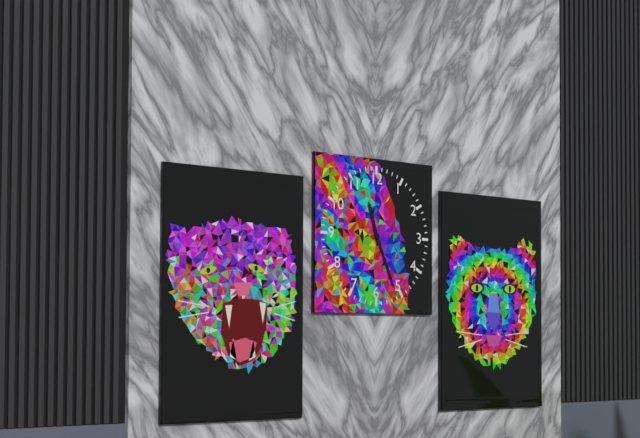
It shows 11h26
